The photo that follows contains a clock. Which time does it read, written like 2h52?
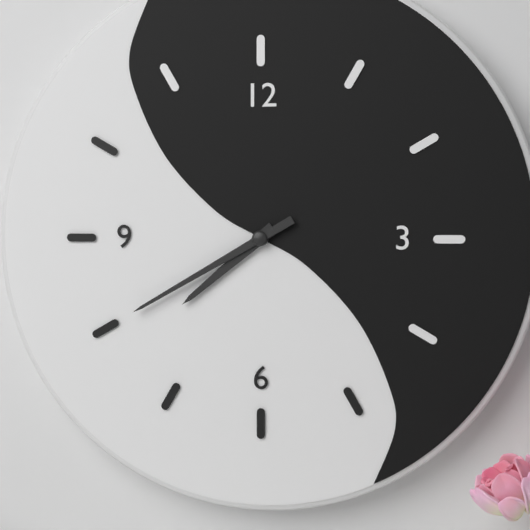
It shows 7h40
